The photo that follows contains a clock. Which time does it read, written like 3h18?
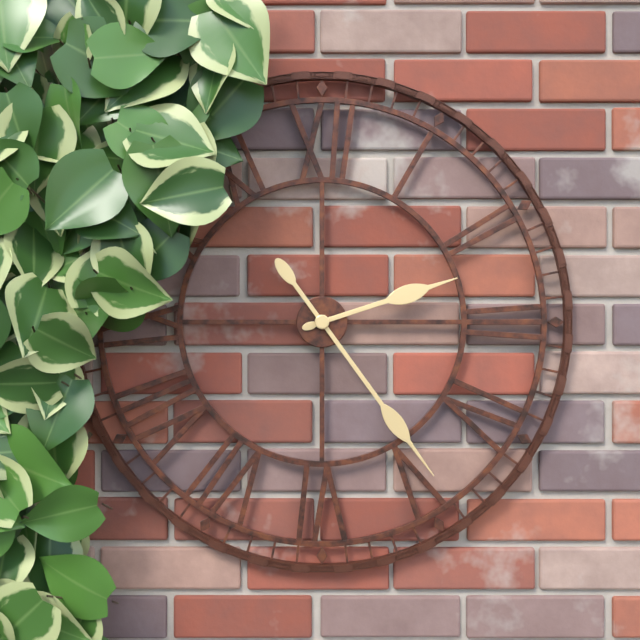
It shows 2h24
